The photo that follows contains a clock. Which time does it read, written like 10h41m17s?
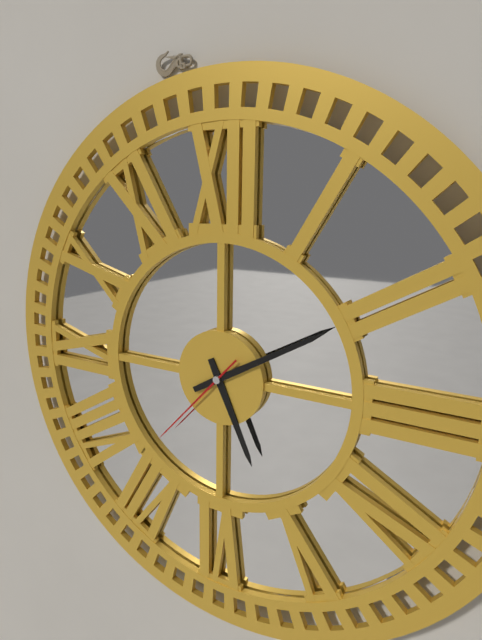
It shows 5h10m37s
